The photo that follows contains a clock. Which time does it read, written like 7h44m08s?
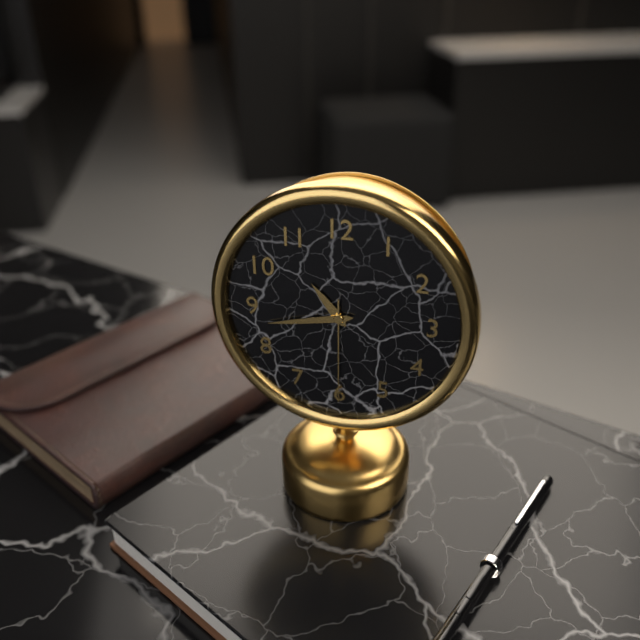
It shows 10h43m30s
